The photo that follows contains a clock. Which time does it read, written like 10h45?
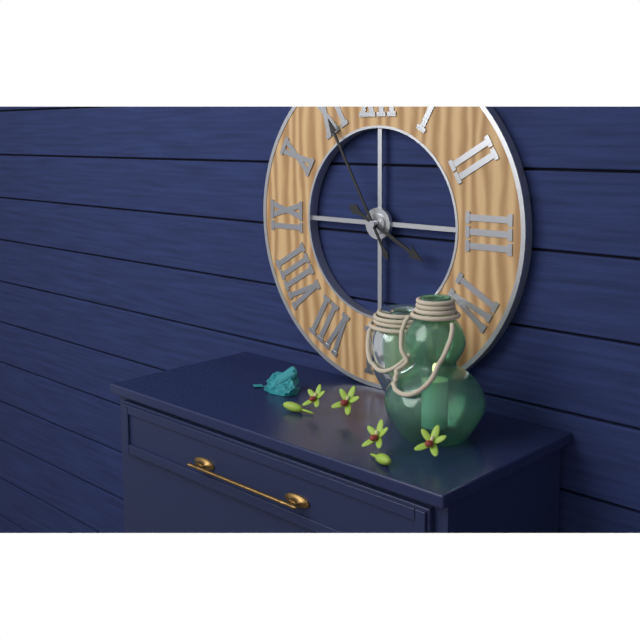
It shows 3h55
